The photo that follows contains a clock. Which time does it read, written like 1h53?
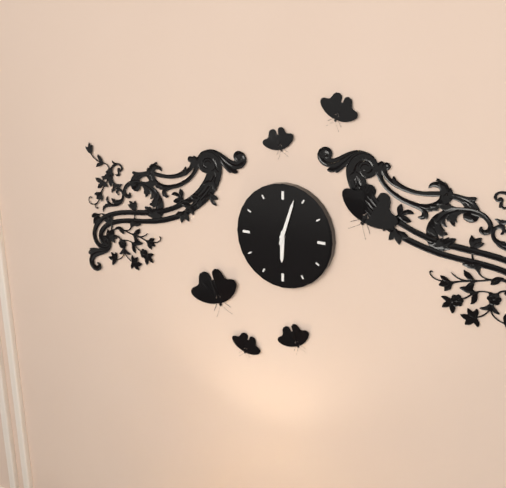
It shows 6h03
